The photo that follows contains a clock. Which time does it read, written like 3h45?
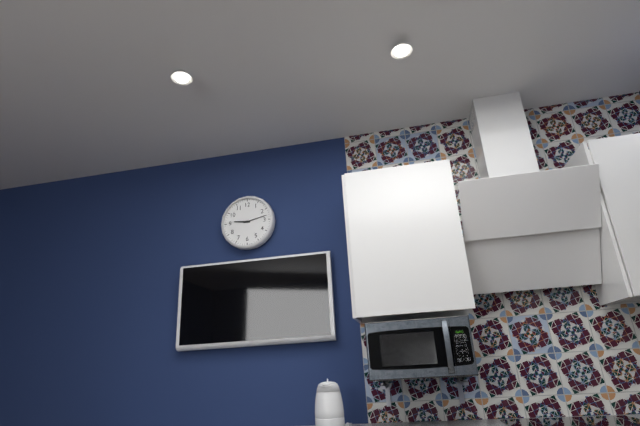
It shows 9h13
